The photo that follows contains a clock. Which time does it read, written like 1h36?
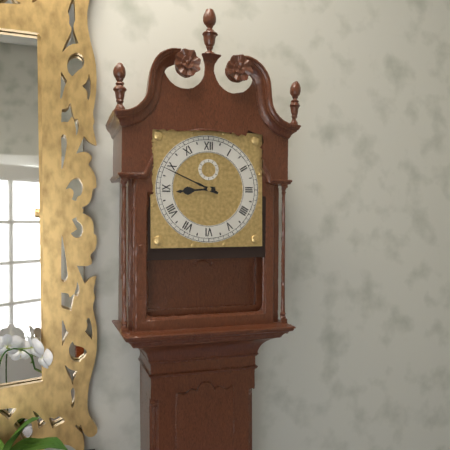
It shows 8h49
